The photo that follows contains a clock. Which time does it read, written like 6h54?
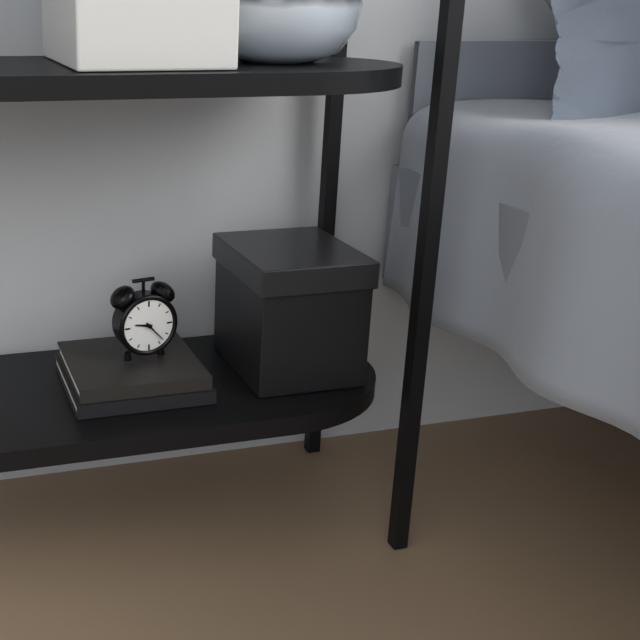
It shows 9h23
